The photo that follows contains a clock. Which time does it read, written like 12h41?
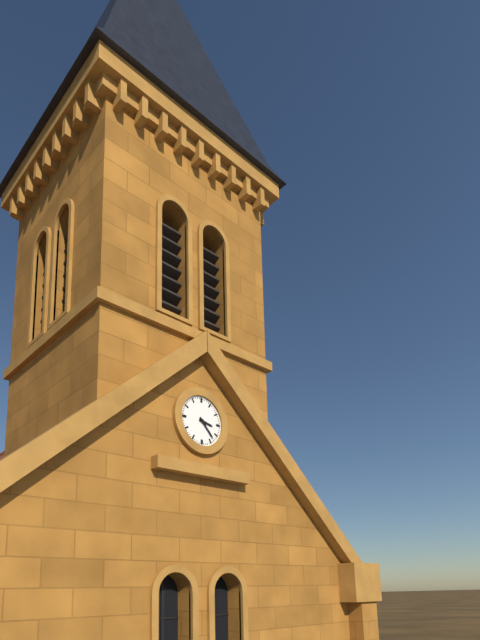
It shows 3h23
